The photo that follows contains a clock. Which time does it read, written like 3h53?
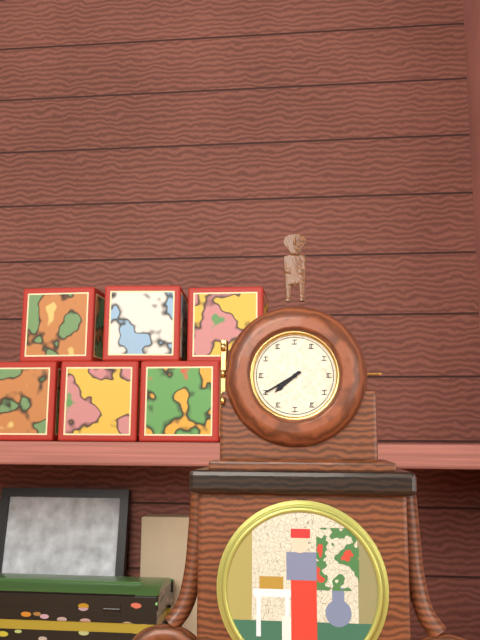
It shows 7h40
